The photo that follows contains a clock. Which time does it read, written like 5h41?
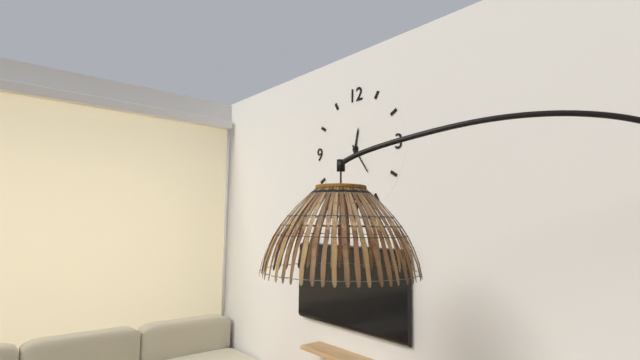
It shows 12h24
